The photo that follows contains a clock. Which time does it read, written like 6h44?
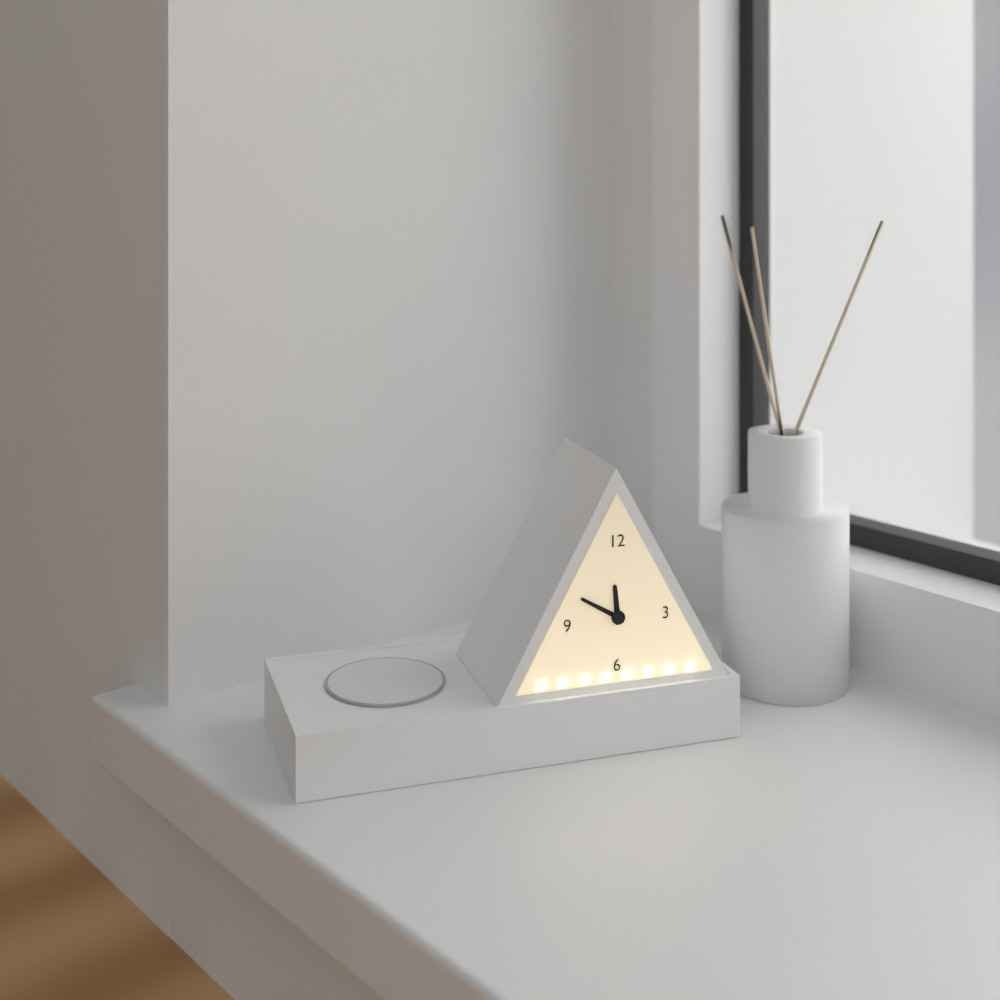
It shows 11h50
